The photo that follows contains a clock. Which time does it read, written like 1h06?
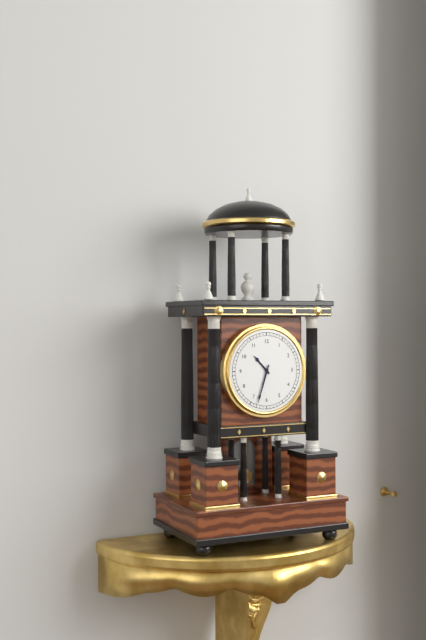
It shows 10h33
